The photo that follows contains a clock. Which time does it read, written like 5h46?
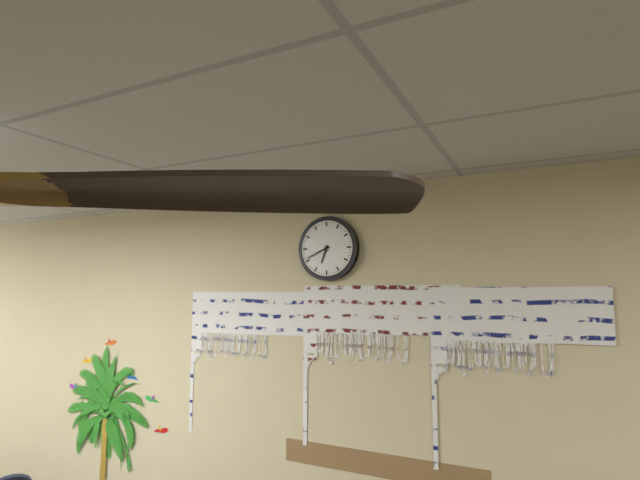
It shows 6h41
